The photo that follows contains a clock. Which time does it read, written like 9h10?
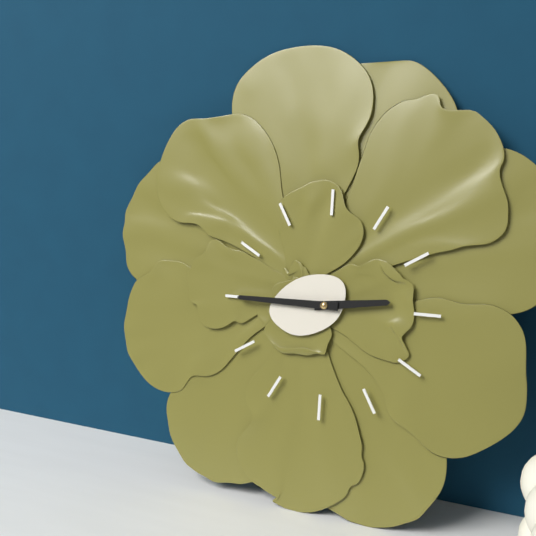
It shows 2h45
